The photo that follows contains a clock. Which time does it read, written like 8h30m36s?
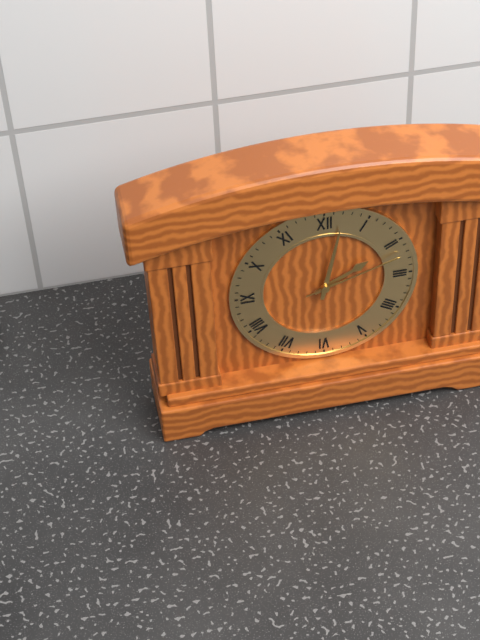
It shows 2h02m12s
